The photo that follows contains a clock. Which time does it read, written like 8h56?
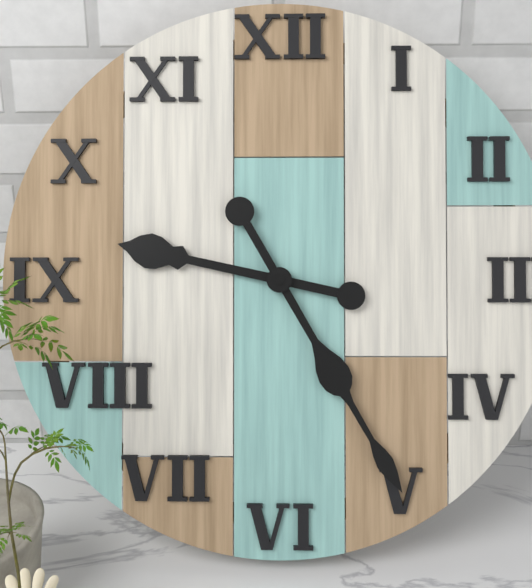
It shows 9h25
